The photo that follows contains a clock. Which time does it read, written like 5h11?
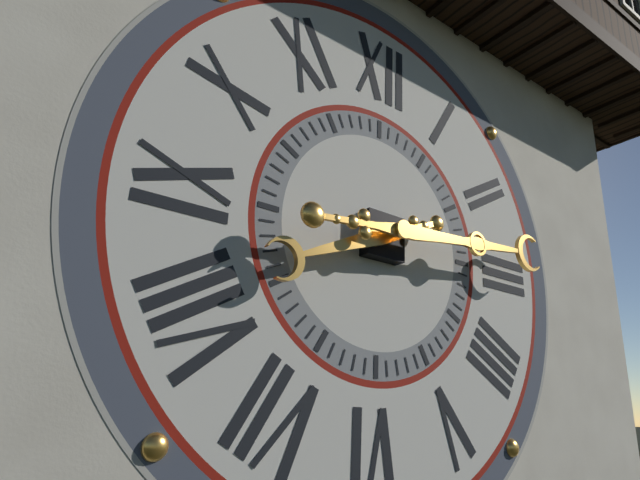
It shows 8h14
